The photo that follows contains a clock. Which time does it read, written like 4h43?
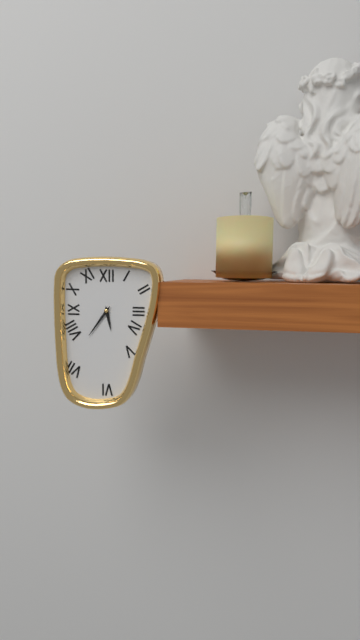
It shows 5h36
